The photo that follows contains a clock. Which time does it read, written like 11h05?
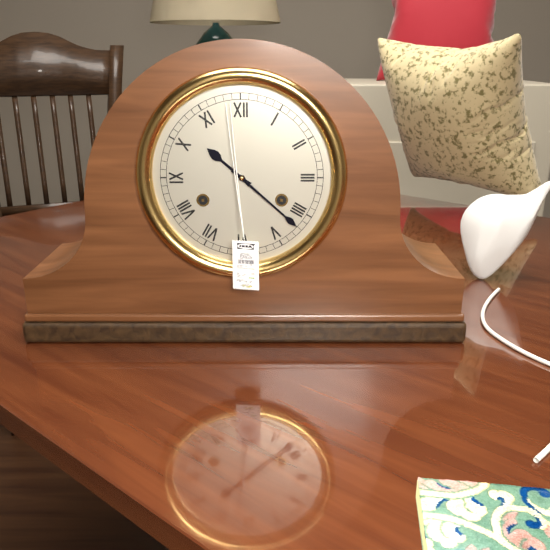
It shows 10h22
